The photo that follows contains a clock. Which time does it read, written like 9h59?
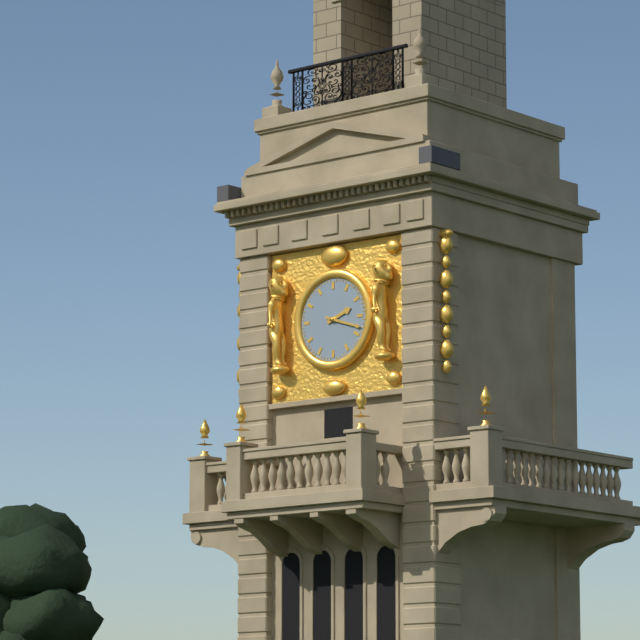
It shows 2h18
